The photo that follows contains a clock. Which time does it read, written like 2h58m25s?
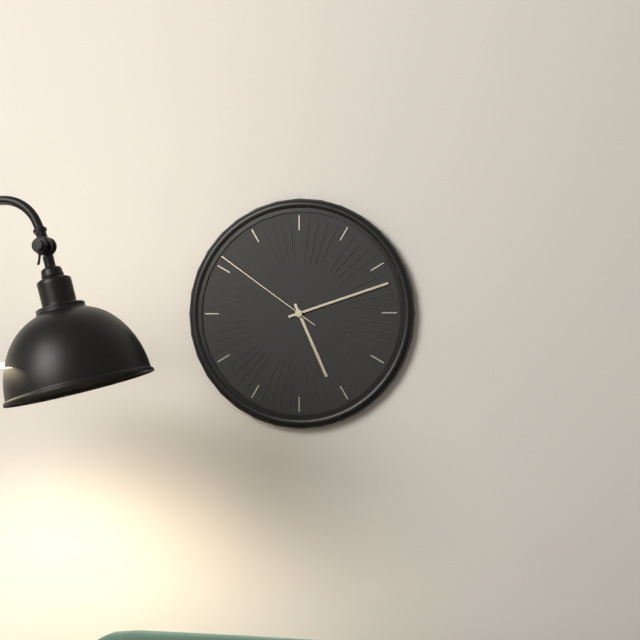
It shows 5h12m51s
